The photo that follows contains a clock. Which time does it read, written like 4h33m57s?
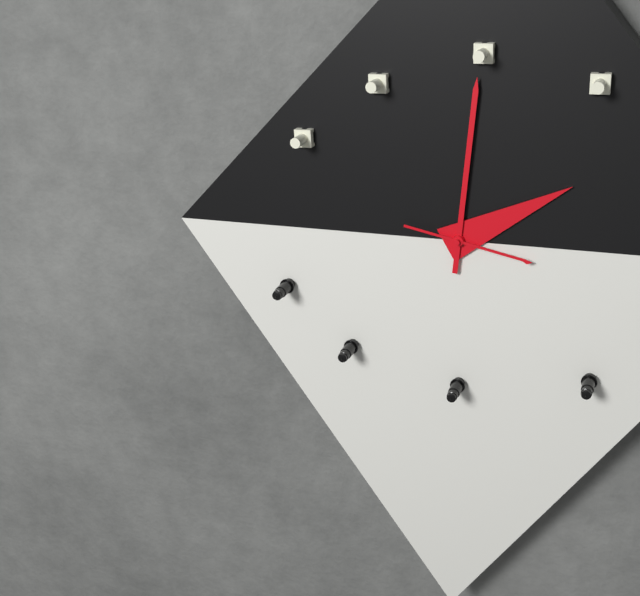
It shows 2h01m17s
